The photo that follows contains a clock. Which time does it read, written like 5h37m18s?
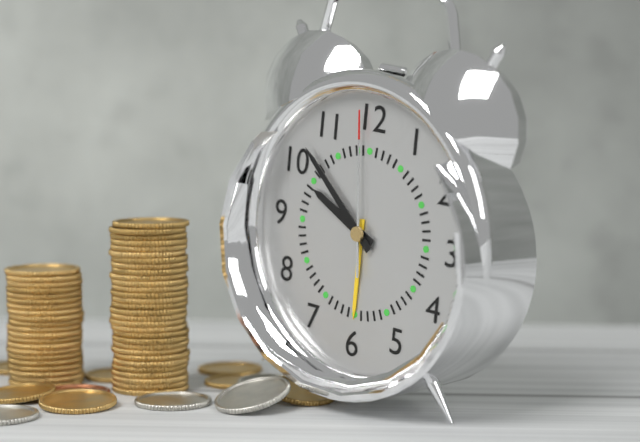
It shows 9h52m59s
